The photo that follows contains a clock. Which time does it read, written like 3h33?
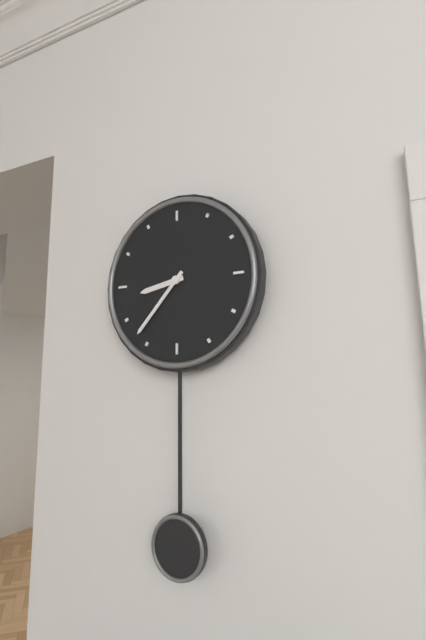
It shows 8h37
